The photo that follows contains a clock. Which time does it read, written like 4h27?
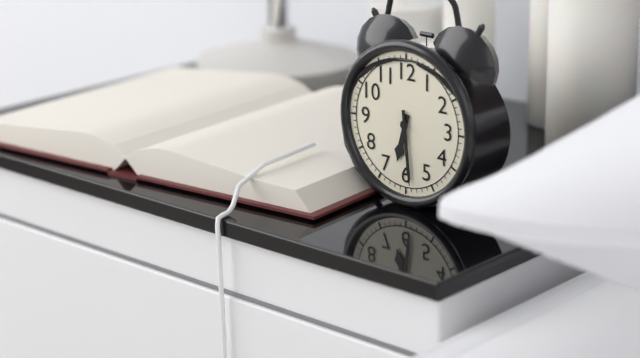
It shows 6h29
